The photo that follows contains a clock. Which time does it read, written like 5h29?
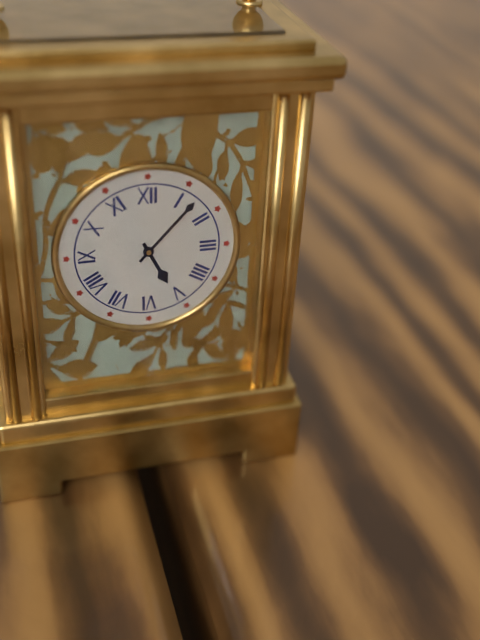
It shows 5h07
